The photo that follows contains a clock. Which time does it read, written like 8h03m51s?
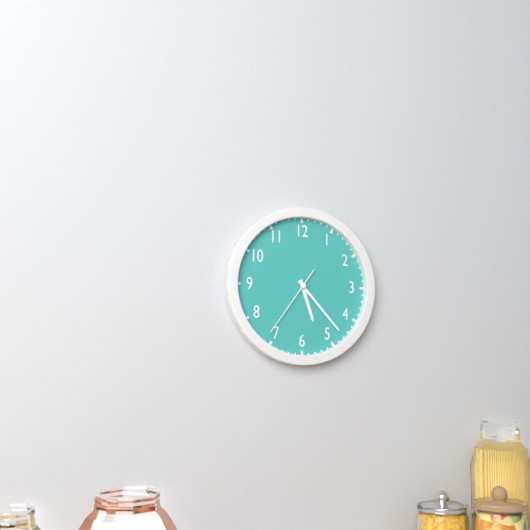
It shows 5h23m36s
